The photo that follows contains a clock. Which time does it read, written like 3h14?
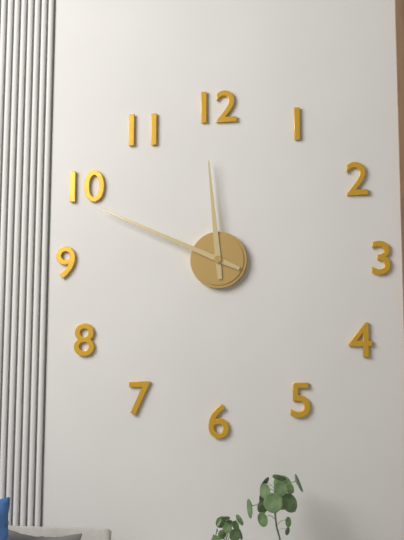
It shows 11h49
